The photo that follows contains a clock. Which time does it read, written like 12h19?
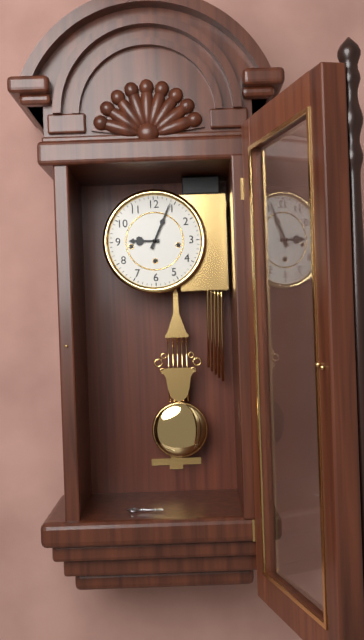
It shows 9h04
